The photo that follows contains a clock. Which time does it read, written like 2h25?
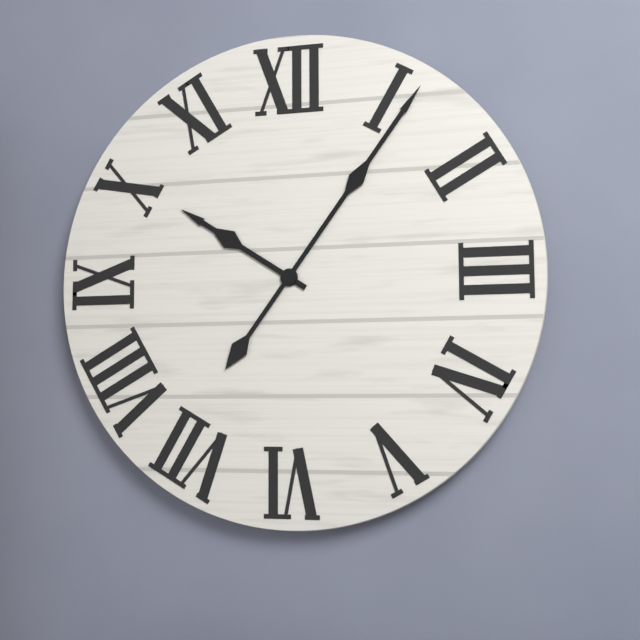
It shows 10h06
